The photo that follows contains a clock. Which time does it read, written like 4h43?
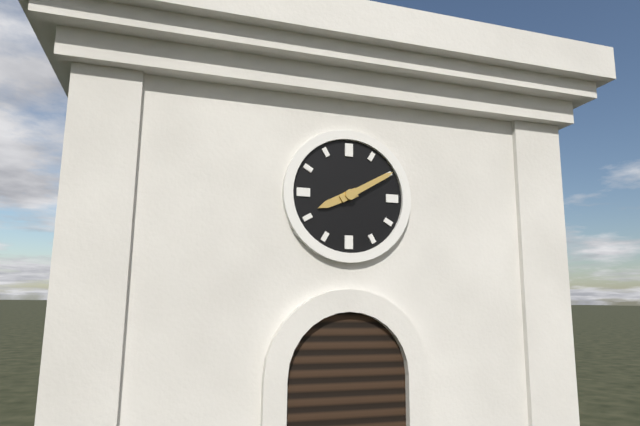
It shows 8h10
